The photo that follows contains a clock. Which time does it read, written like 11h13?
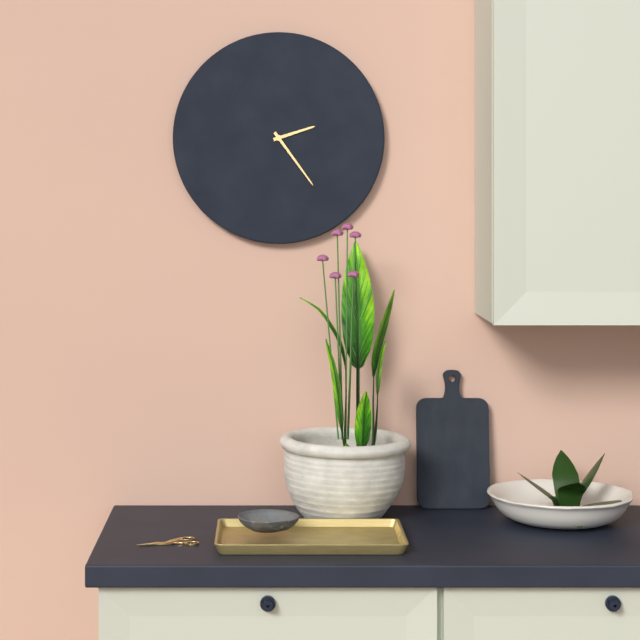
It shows 2h24
